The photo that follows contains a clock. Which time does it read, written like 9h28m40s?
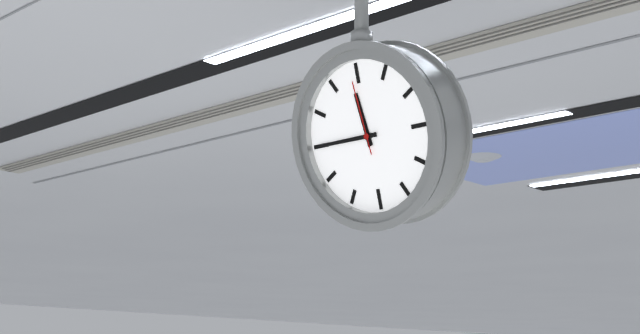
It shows 11h45m59s
